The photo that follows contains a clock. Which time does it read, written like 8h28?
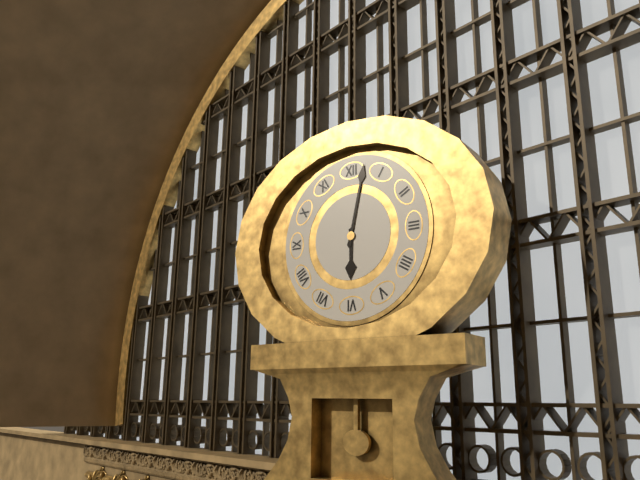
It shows 6h02
